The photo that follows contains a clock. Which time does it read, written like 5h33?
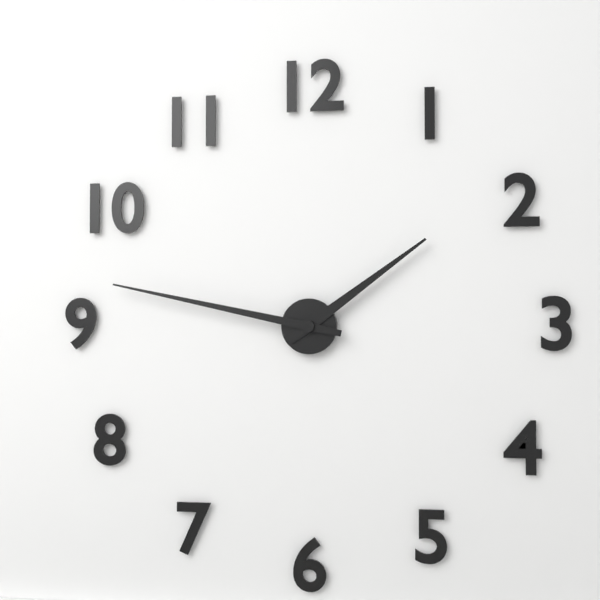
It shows 1h47
